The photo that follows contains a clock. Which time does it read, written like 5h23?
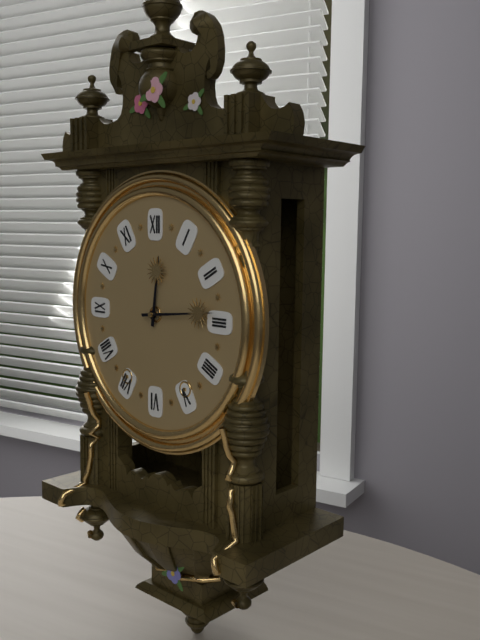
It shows 12h14
